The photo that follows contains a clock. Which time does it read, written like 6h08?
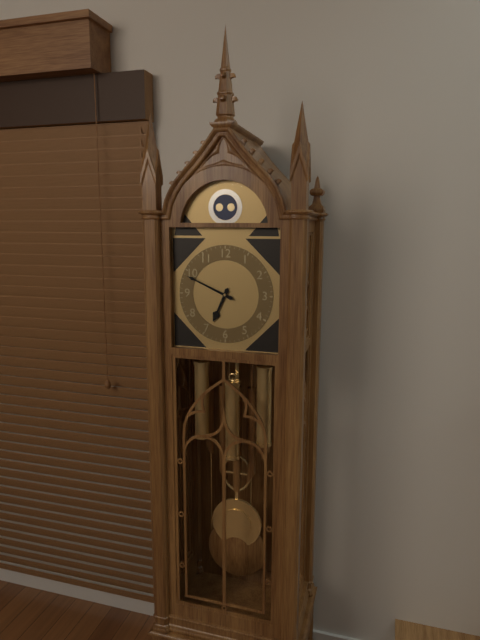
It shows 6h49
